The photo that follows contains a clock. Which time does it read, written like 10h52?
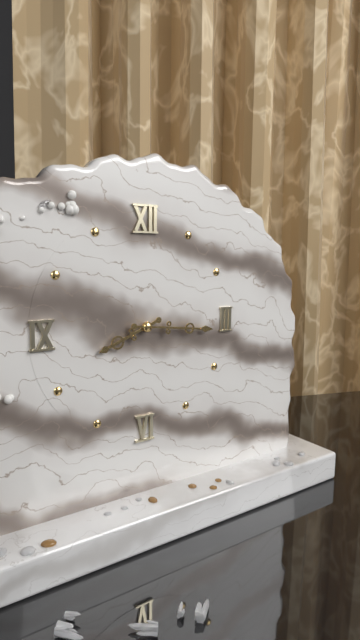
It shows 8h16
